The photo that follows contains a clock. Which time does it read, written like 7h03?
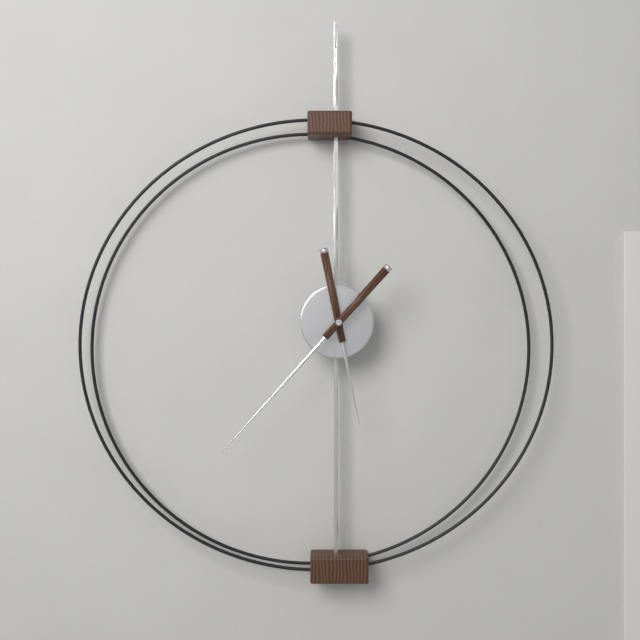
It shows 5h37
